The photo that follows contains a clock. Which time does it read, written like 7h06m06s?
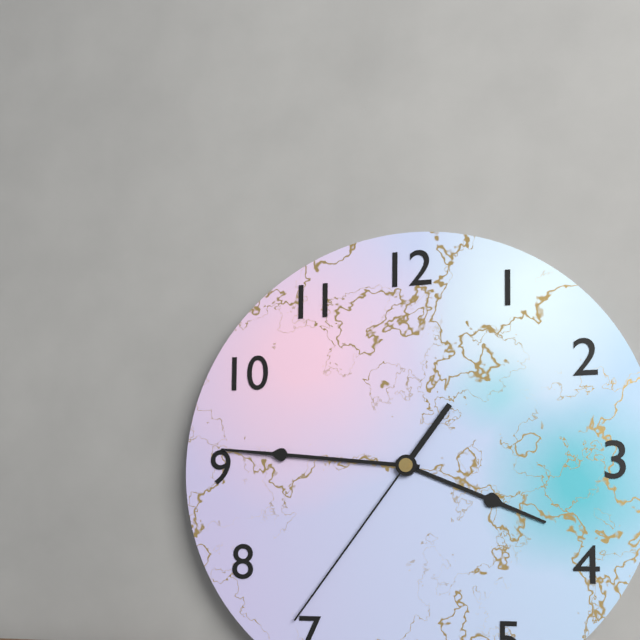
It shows 3h46m36s
